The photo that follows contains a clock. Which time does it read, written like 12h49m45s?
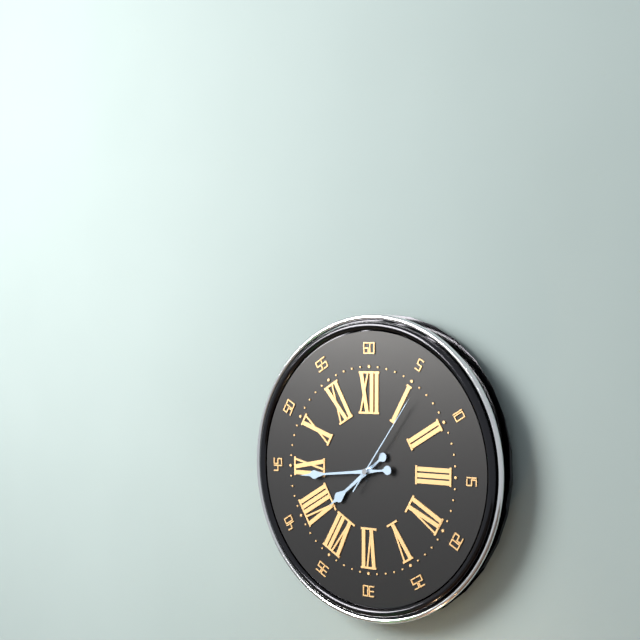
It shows 7h44m06s
